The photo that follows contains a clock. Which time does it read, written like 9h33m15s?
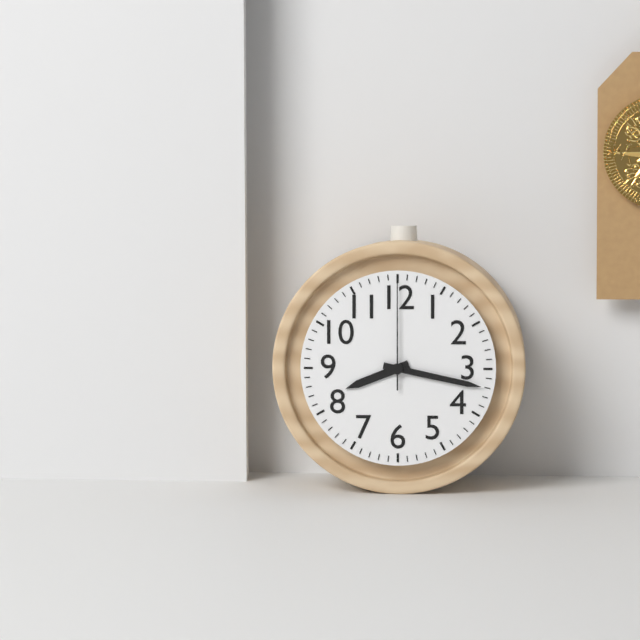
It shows 8h17m00s
